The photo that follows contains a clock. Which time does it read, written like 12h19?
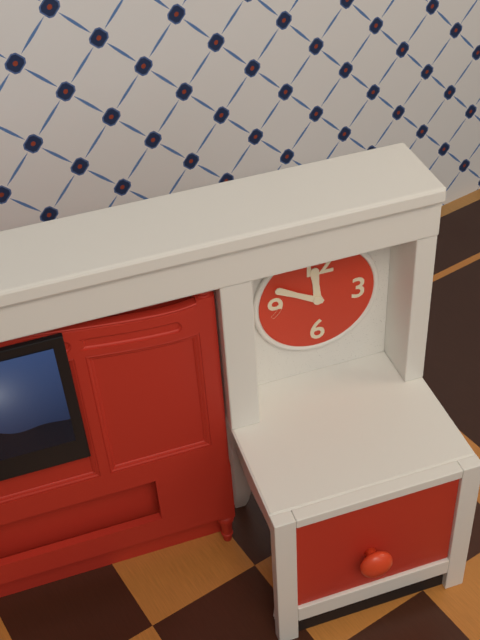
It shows 11h50
